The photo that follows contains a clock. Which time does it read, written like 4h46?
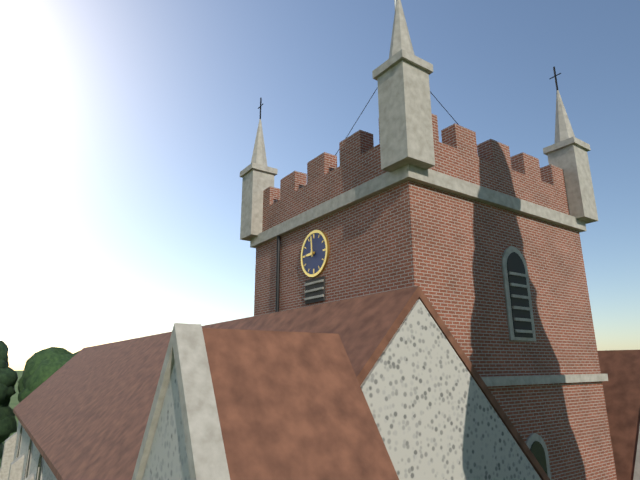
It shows 8h59
